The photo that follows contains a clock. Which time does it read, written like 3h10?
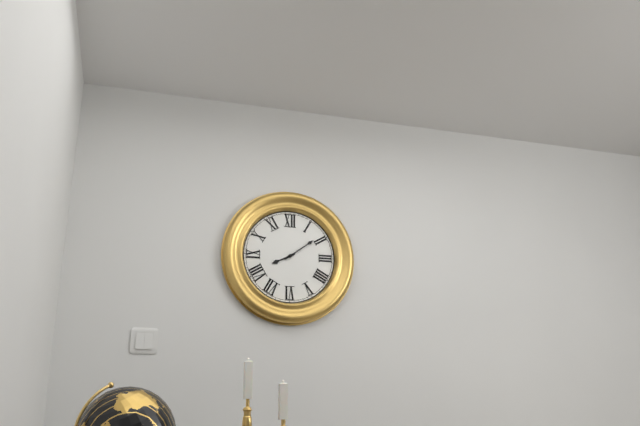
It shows 8h09
